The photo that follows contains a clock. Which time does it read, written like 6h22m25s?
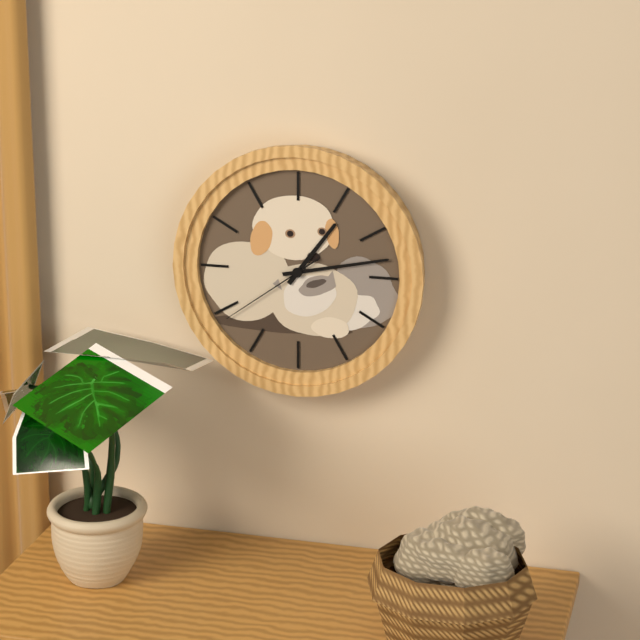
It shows 1h13m39s
